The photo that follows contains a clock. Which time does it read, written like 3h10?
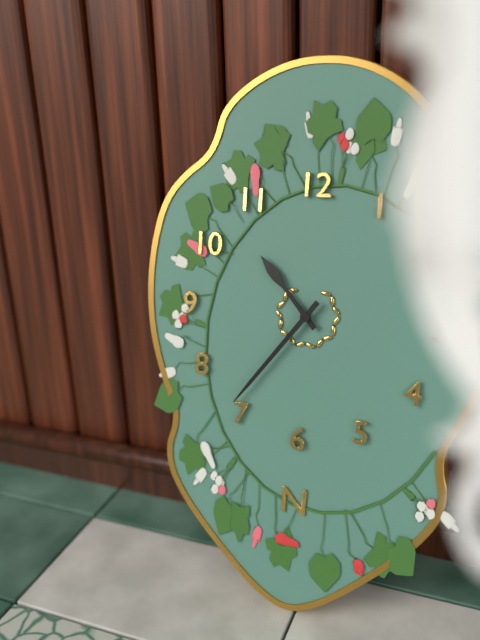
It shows 10h36
